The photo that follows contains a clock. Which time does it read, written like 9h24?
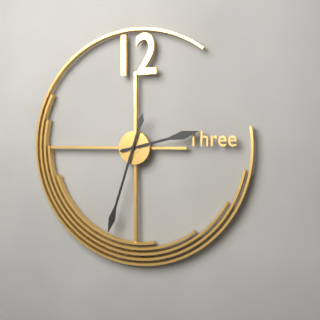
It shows 2h33
